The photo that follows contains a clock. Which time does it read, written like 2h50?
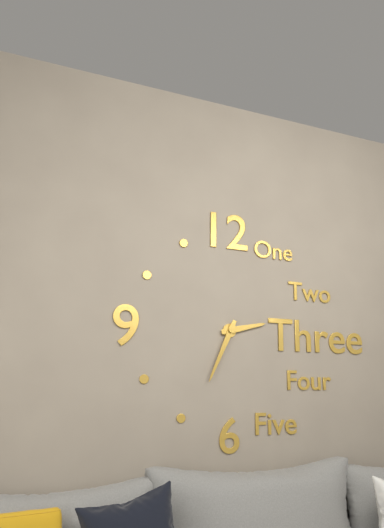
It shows 2h34
